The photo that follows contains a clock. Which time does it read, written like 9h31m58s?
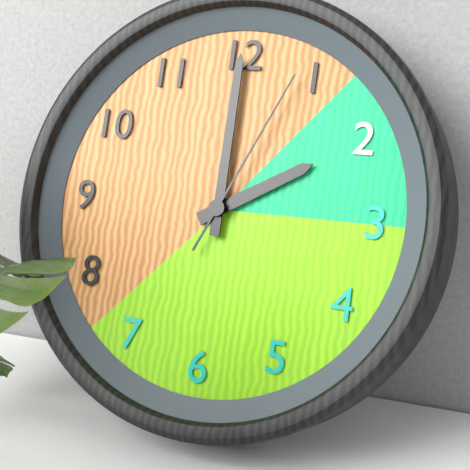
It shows 2h00m04s
